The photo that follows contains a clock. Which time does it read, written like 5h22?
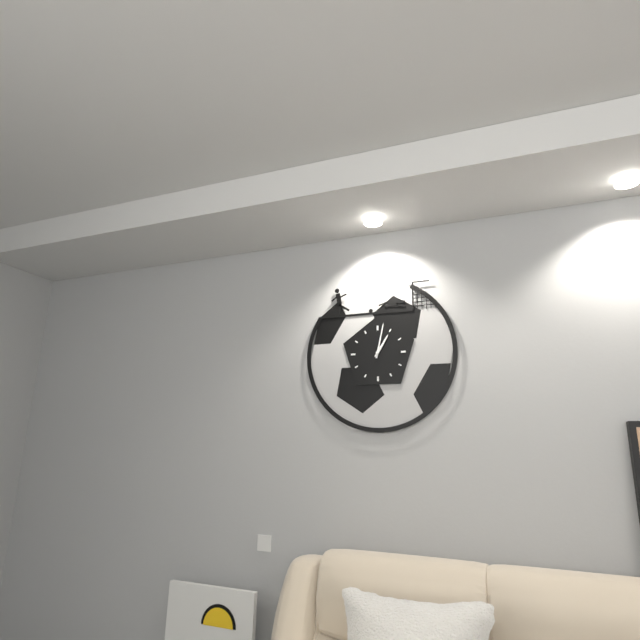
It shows 1h02
